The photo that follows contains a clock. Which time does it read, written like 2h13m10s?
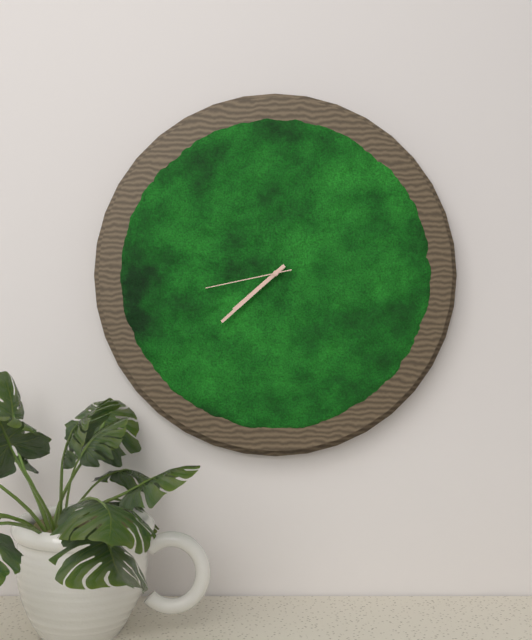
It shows 7h38m43s
